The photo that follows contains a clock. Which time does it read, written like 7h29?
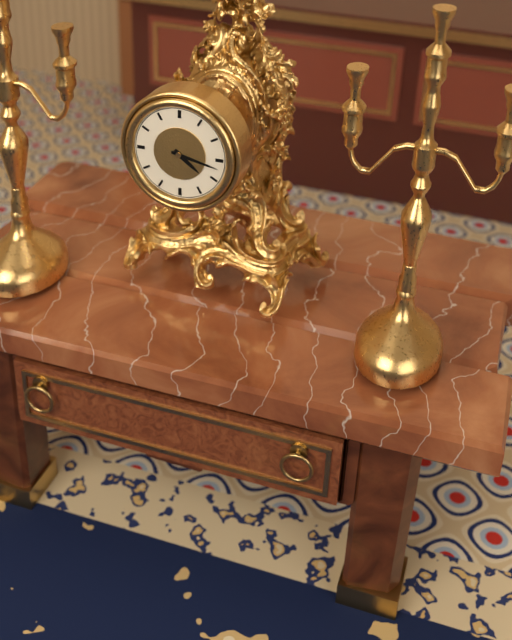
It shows 4h17
